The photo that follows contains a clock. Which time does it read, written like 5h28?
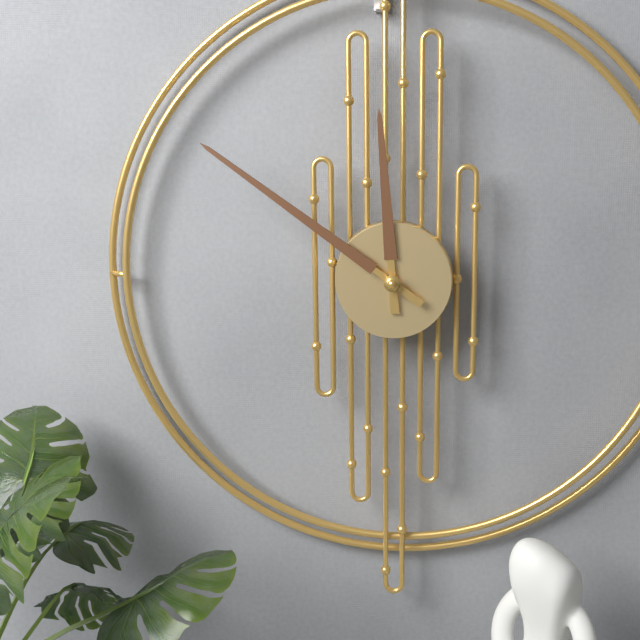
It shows 11h51
